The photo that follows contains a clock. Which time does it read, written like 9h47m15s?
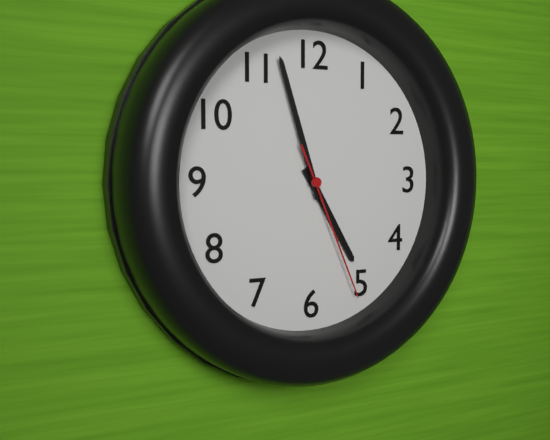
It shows 4h57m26s
